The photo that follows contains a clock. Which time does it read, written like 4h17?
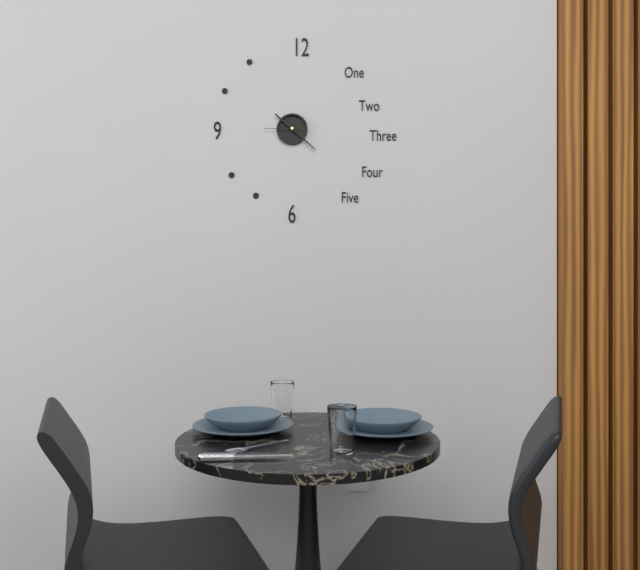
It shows 10h22
